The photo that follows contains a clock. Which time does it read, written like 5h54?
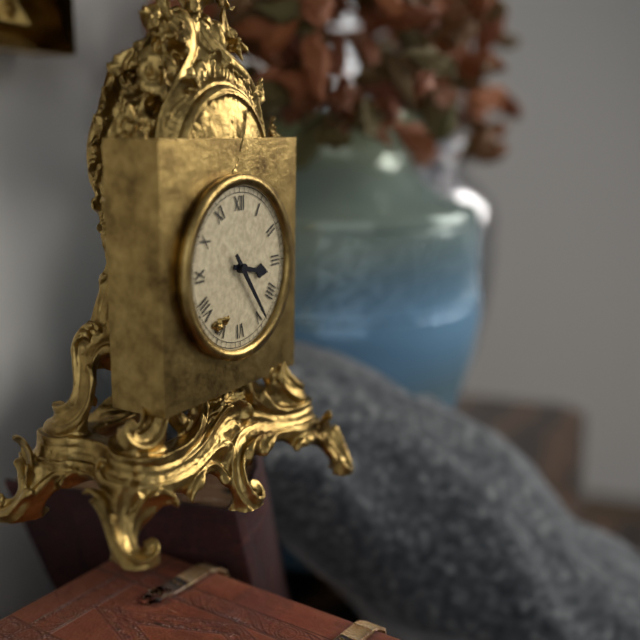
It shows 3h24
